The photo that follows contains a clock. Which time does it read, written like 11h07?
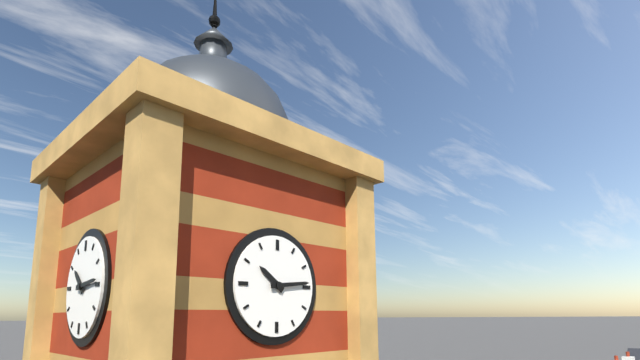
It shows 10h14
